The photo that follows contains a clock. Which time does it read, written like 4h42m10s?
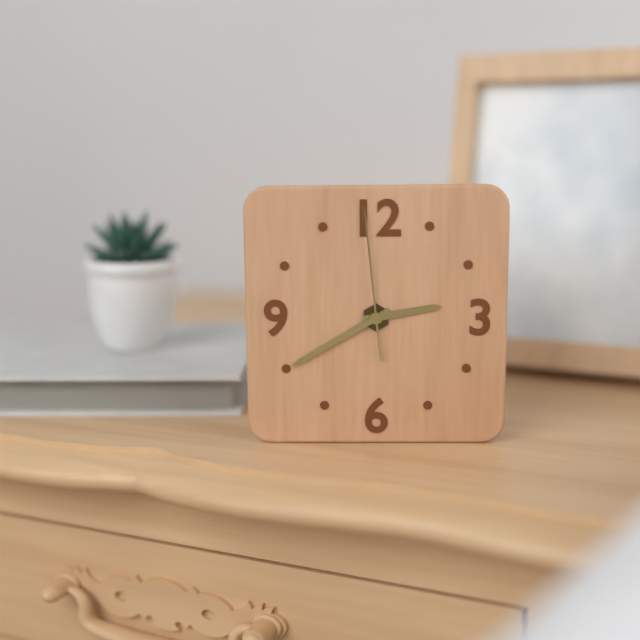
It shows 2h40m59s
